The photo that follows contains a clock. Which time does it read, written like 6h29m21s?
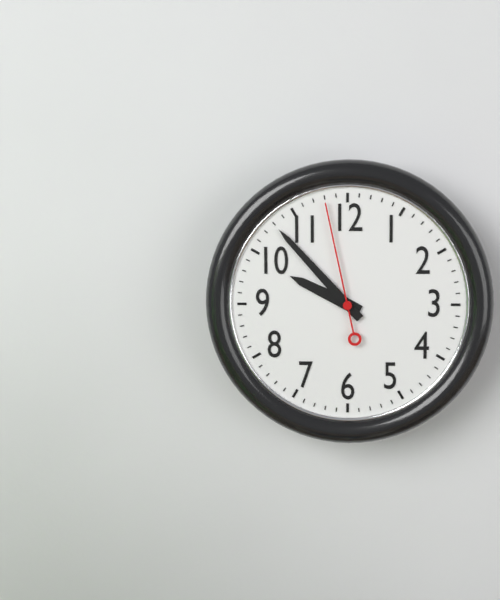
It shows 9h53m58s
